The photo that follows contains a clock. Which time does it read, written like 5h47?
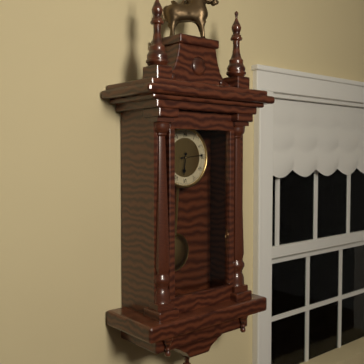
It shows 6h14
